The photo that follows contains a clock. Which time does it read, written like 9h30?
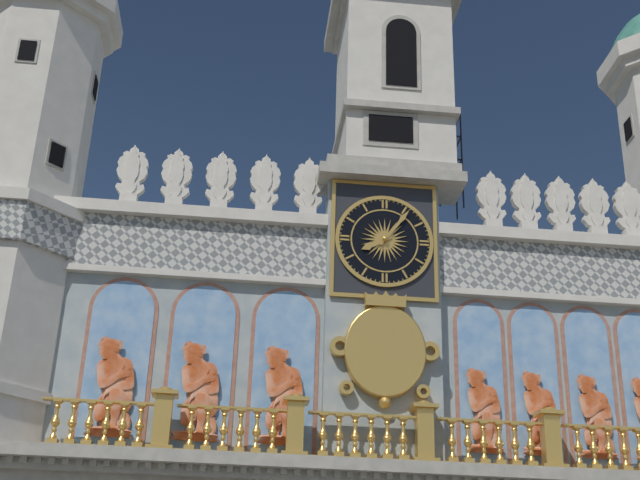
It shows 8h06
